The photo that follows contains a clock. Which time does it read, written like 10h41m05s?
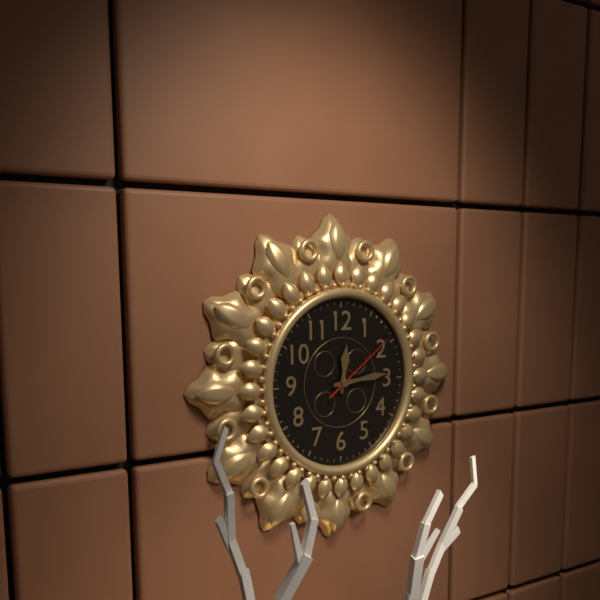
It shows 12h14m09s
